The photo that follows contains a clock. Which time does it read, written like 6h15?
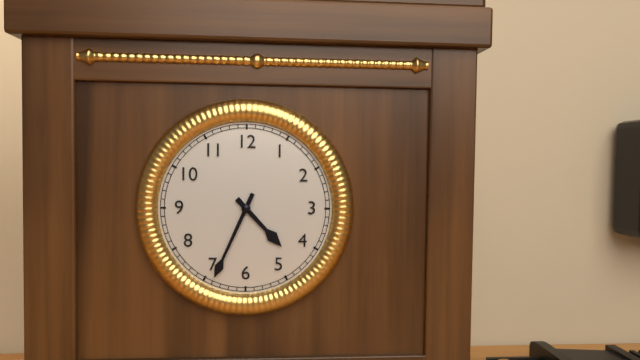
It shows 4h34
